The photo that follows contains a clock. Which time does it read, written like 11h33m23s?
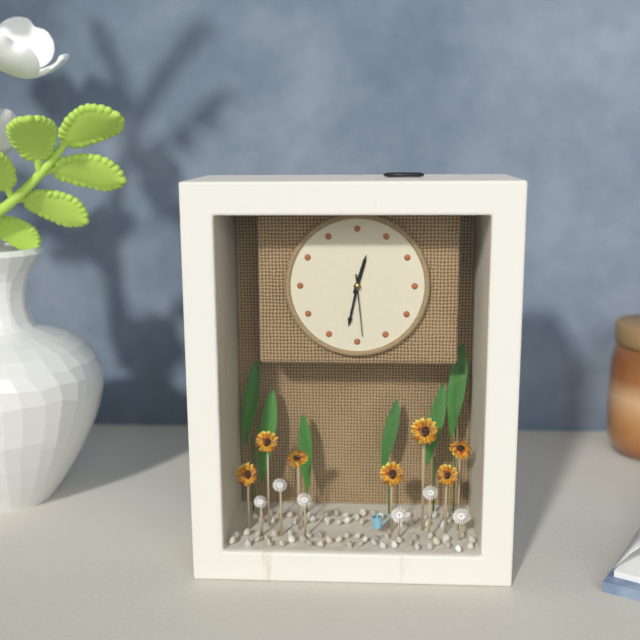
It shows 12h32m29s
